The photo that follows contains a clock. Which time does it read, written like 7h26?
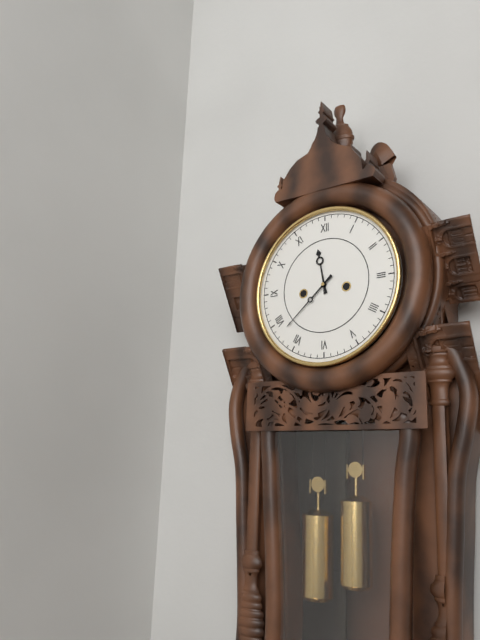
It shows 11h38
